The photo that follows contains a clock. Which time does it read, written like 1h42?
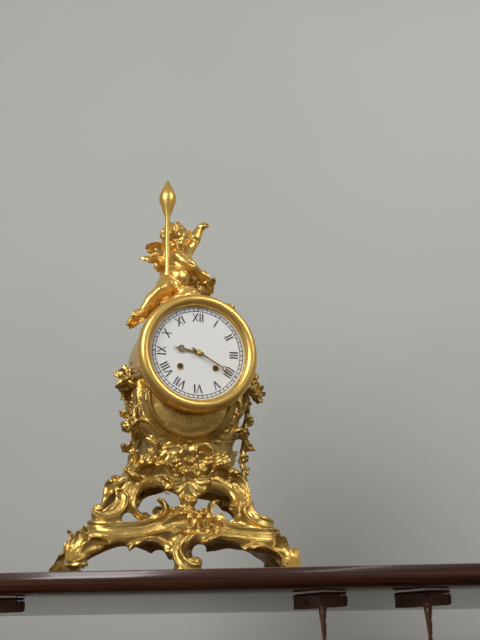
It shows 9h20
